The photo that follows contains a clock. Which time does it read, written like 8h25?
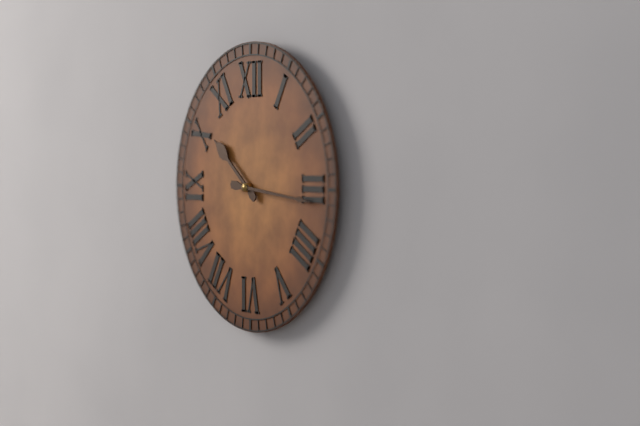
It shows 10h16
